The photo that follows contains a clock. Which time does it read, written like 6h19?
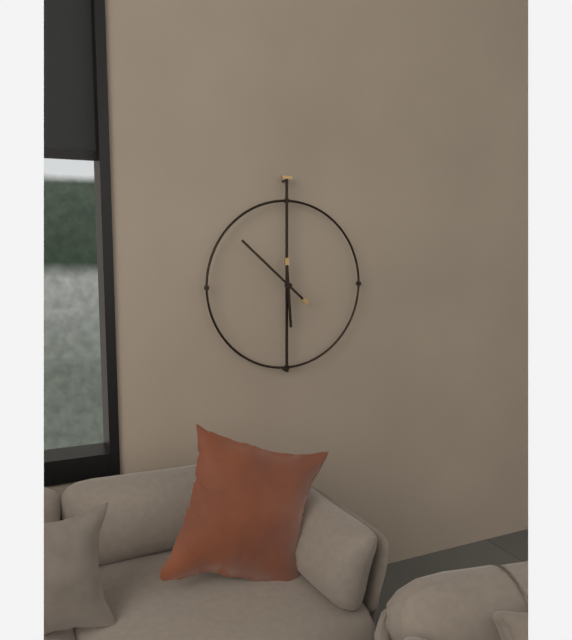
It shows 5h52
